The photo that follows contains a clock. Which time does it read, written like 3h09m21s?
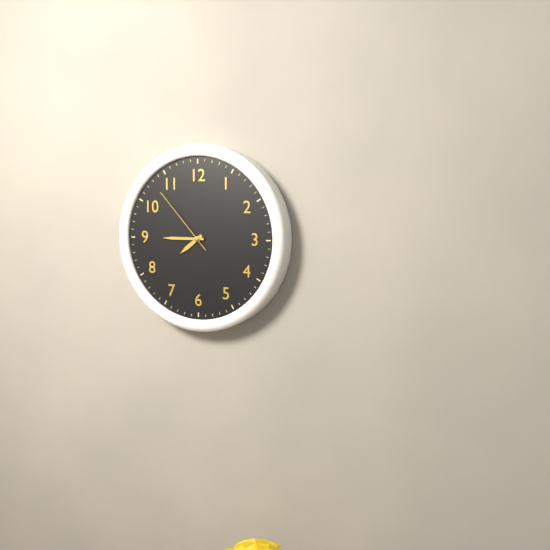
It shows 7h45m53s
